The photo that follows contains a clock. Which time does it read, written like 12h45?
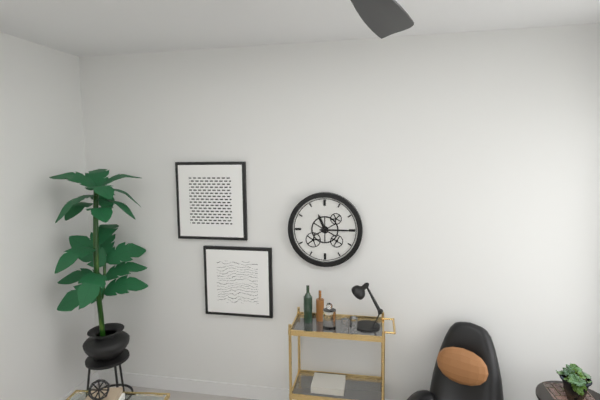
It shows 11h15
